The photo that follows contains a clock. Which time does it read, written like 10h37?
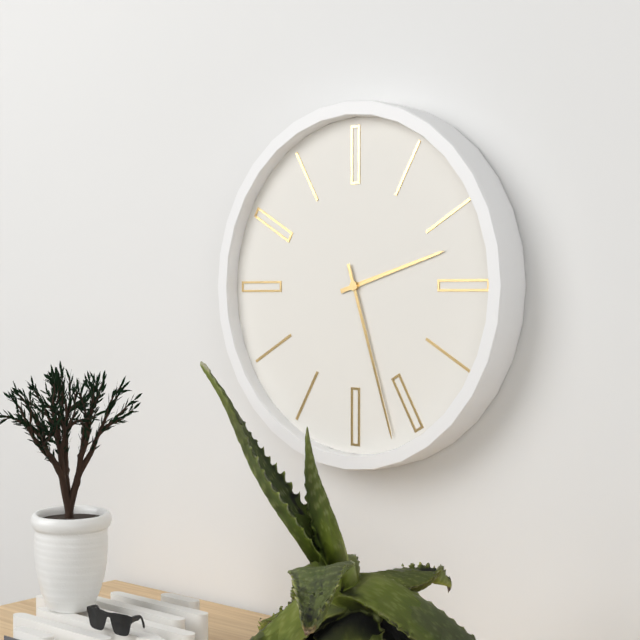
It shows 2h27
